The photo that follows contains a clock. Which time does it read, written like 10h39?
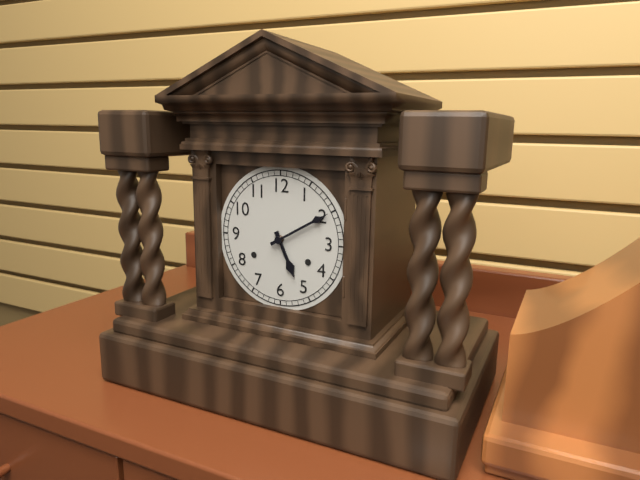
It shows 5h10
